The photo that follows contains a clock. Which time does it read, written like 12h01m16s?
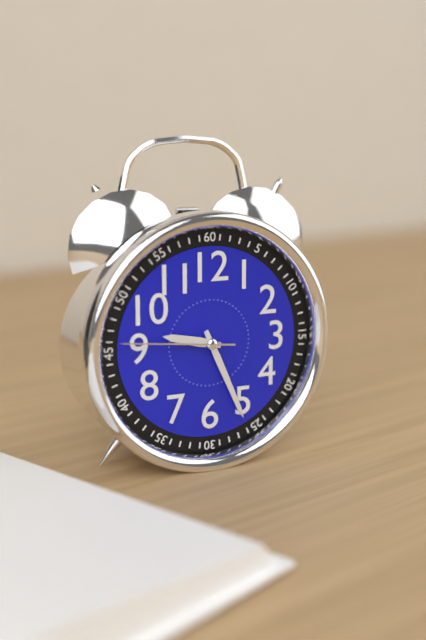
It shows 9h26m46s
